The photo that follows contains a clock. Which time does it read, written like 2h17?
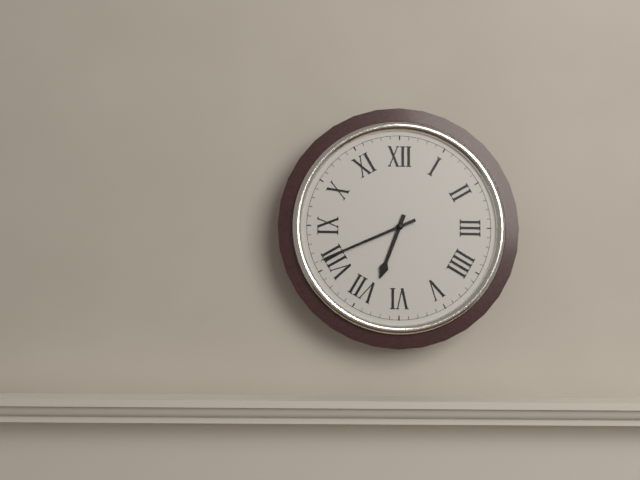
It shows 6h41
